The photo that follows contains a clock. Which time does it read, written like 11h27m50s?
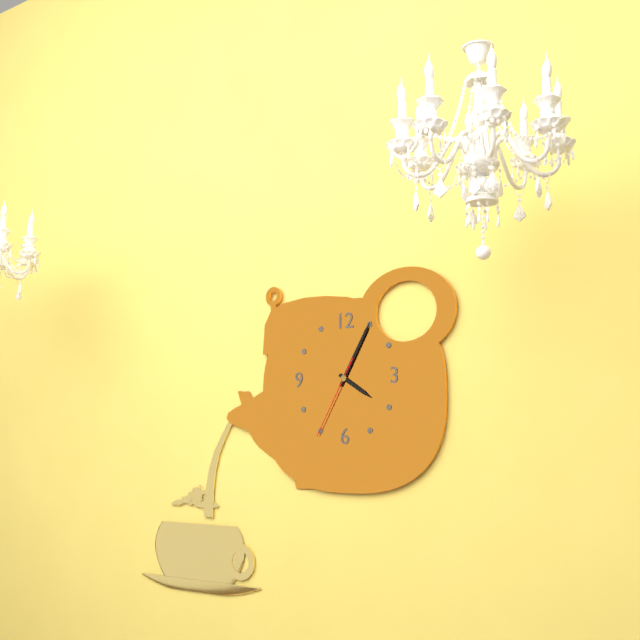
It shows 4h05m35s
